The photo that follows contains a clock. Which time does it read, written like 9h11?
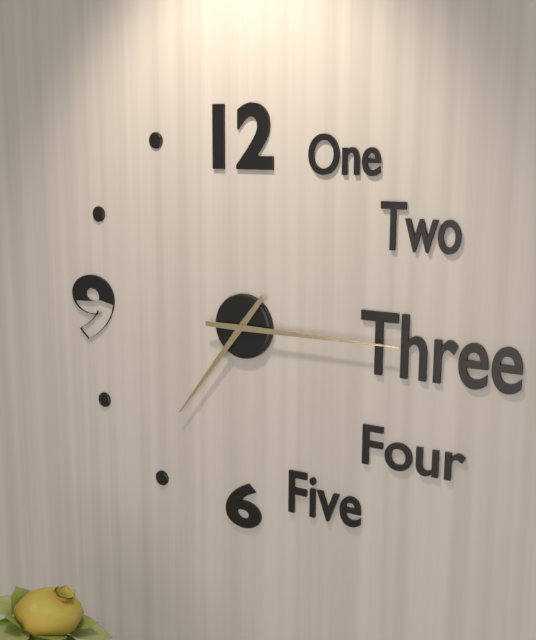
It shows 7h15
